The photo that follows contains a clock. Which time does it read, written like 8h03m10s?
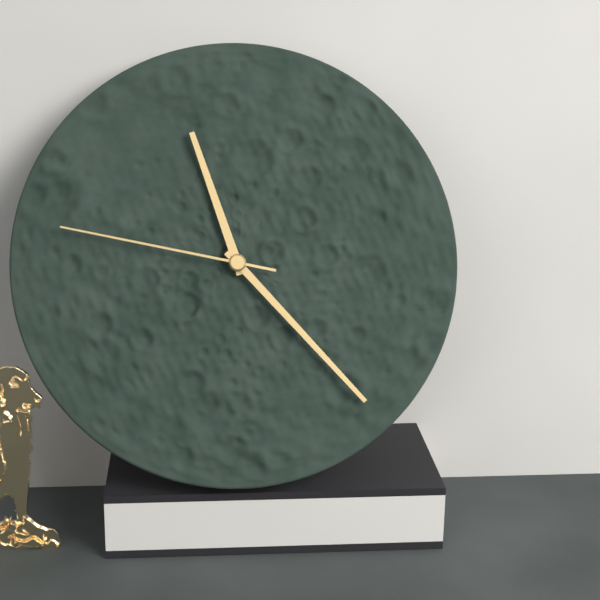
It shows 11h23m47s
